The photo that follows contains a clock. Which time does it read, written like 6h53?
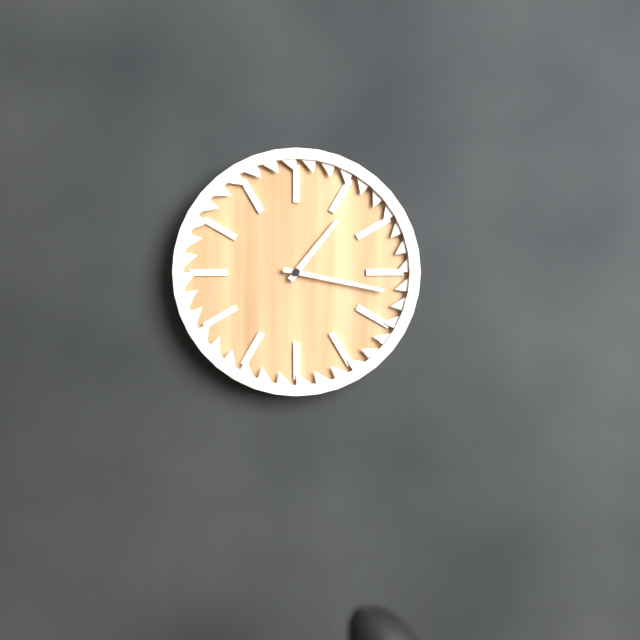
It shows 1h17
